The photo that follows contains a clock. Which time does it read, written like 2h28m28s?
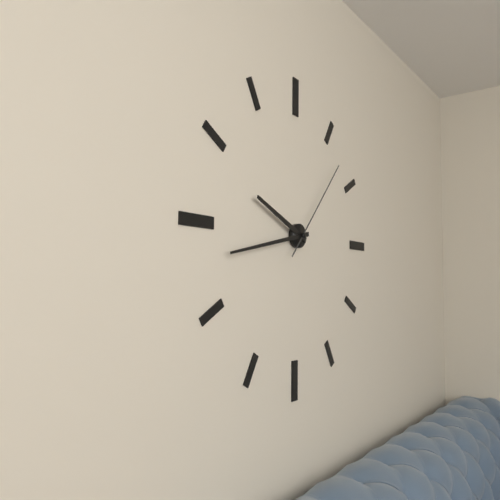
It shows 9h43m07s
